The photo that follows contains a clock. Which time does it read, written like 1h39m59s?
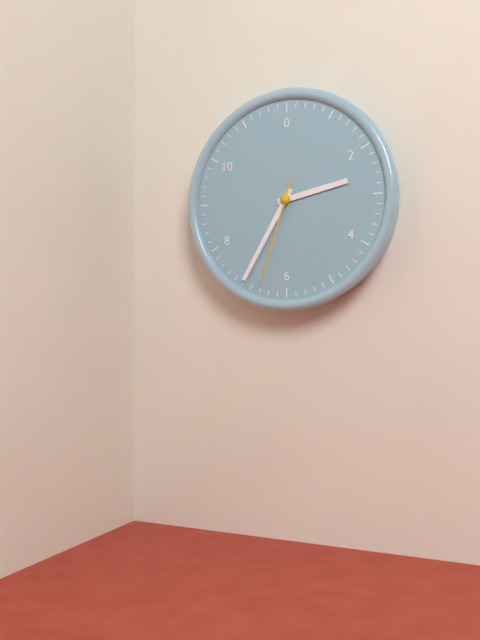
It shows 2h35m33s
